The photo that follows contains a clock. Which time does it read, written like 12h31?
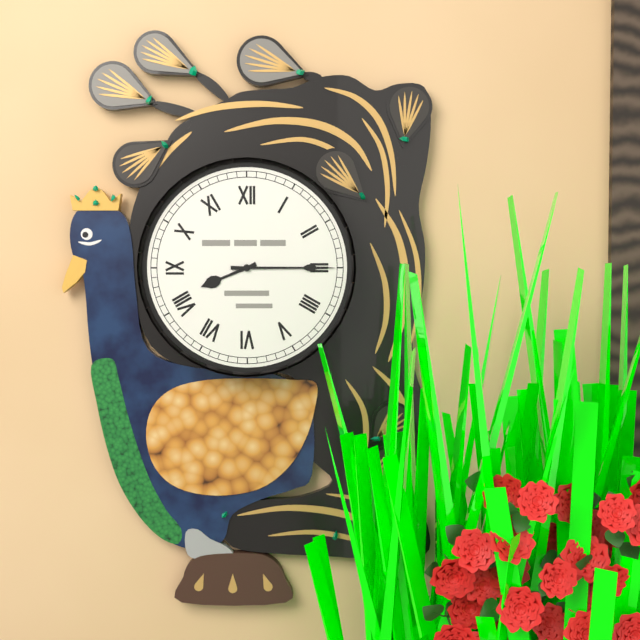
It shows 8h15
